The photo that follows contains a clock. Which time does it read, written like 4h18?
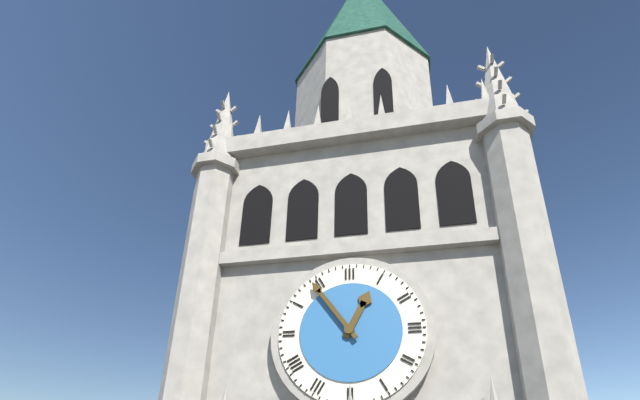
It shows 12h54
